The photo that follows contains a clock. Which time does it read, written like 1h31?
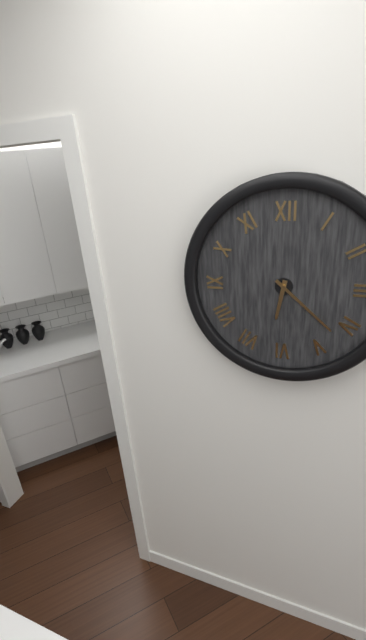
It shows 6h22
